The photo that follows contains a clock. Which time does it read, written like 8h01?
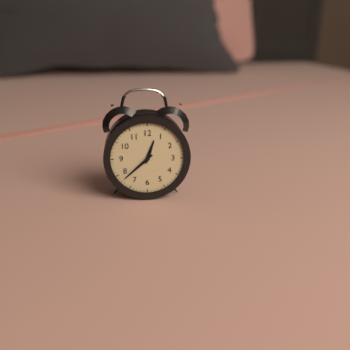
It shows 12h38
